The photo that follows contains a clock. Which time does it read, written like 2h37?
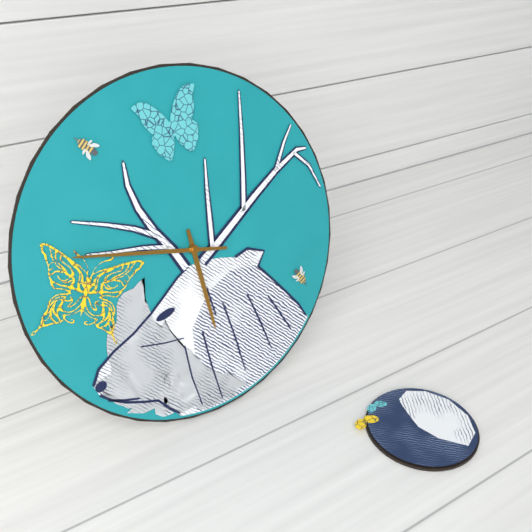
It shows 5h47
